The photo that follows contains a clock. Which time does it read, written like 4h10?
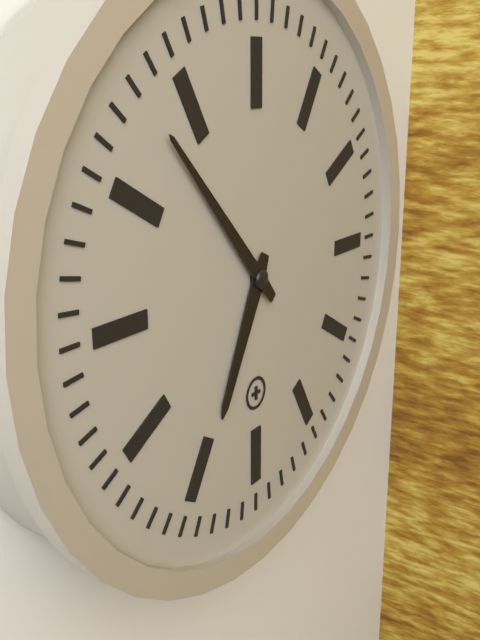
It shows 6h53
